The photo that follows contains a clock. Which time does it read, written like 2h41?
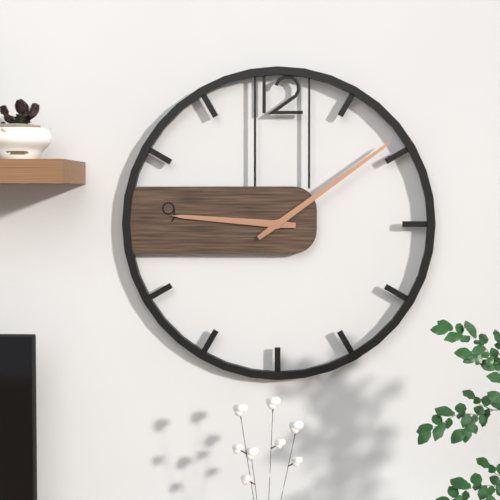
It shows 9h09
